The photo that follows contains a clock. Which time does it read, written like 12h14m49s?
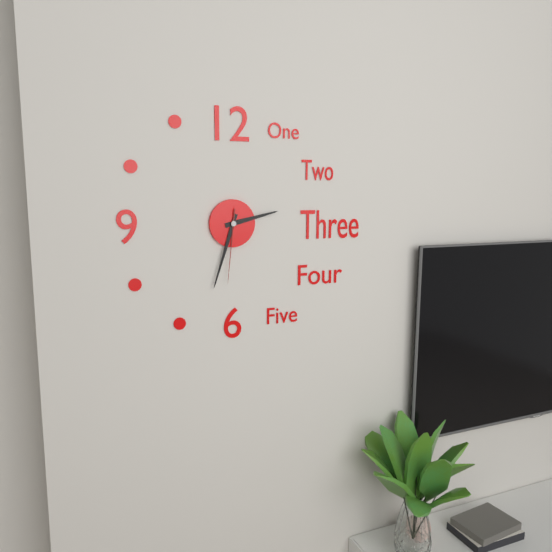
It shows 2h33m31s
